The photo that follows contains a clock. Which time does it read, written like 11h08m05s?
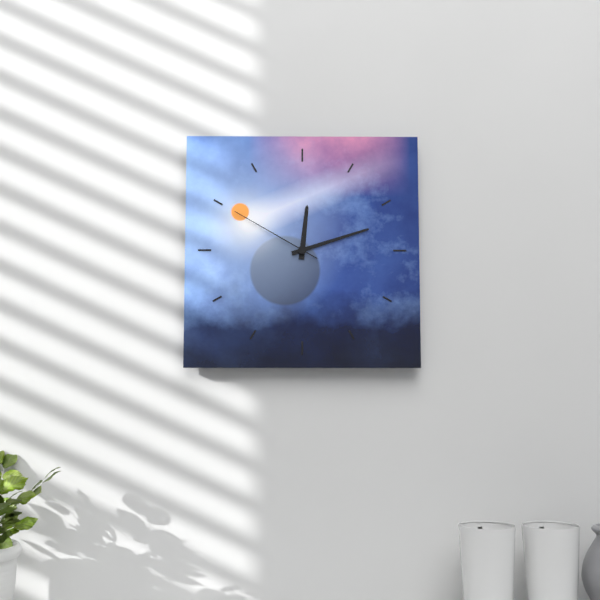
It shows 12h12m50s
